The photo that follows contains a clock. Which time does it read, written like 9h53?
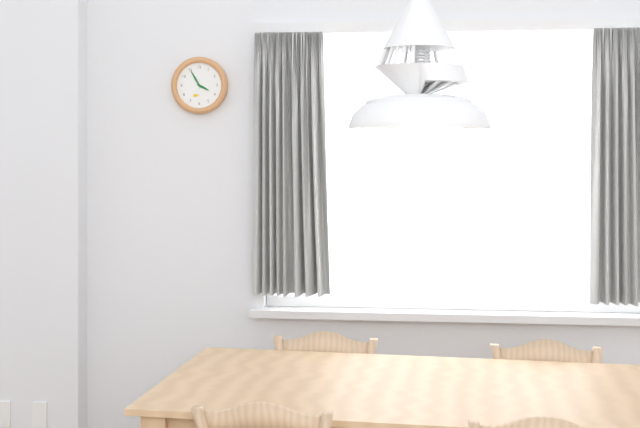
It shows 3h55
